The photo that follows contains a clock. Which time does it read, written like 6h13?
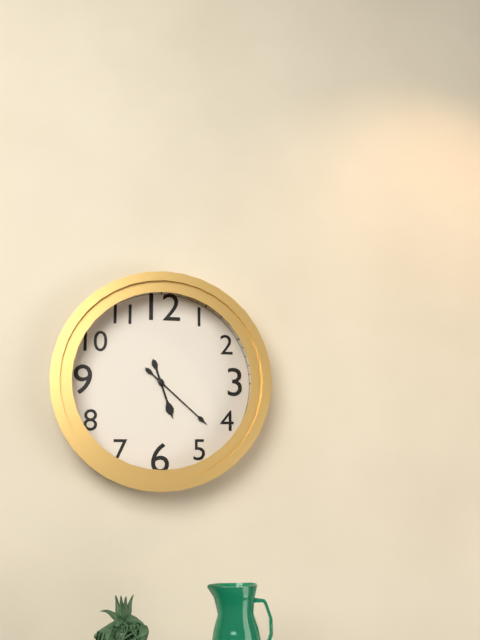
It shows 5h22
